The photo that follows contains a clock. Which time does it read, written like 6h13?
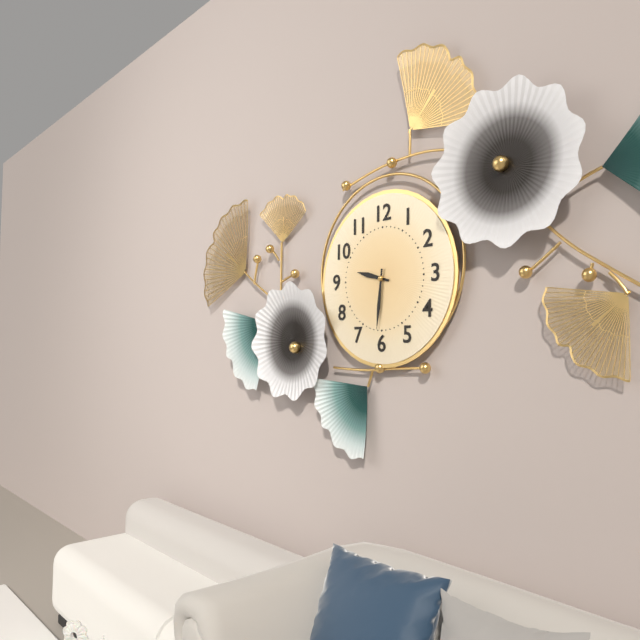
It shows 9h31
